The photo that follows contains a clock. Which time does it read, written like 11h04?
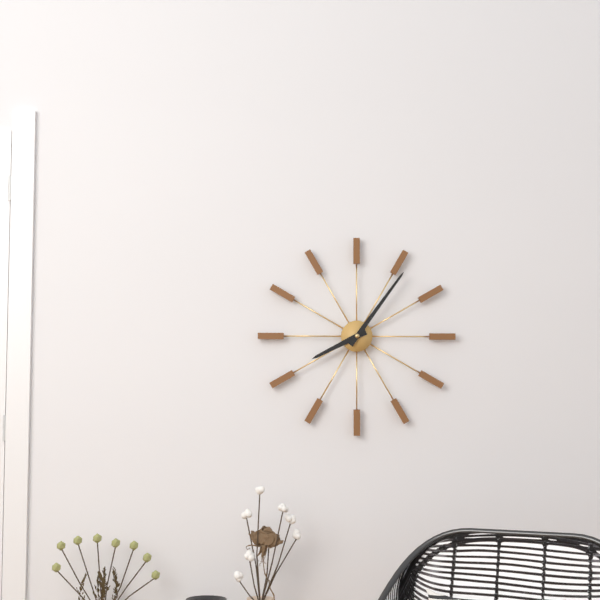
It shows 8h06
